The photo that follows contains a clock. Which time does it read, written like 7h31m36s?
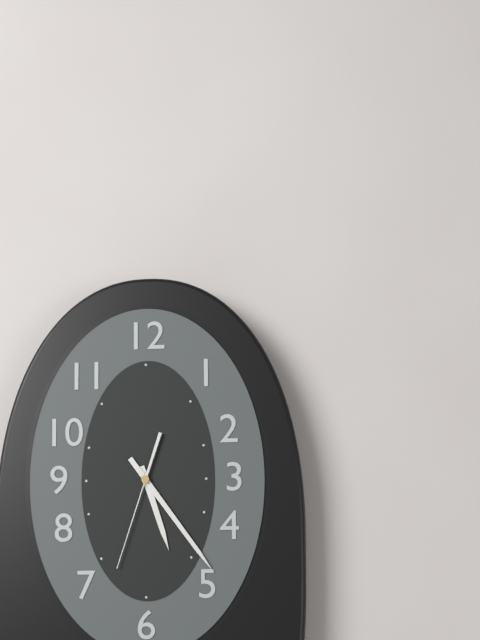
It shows 5h24m33s
